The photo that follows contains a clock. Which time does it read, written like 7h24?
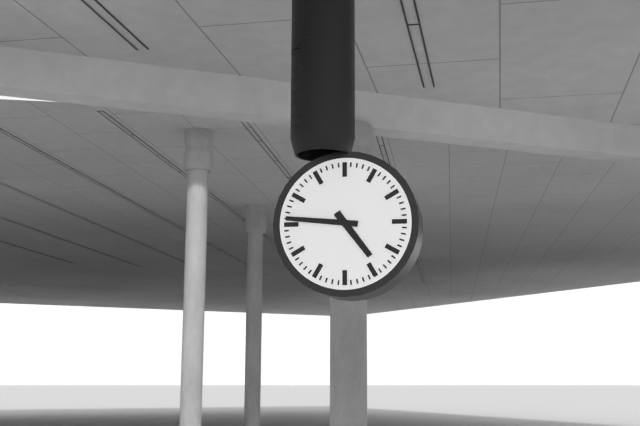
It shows 4h46
